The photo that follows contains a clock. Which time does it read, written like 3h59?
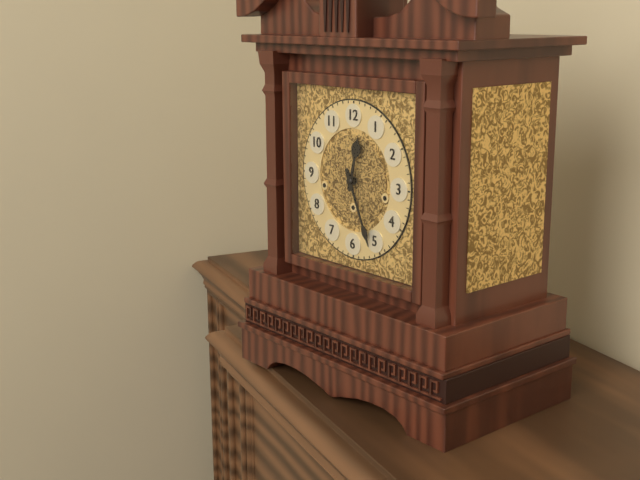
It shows 12h26
